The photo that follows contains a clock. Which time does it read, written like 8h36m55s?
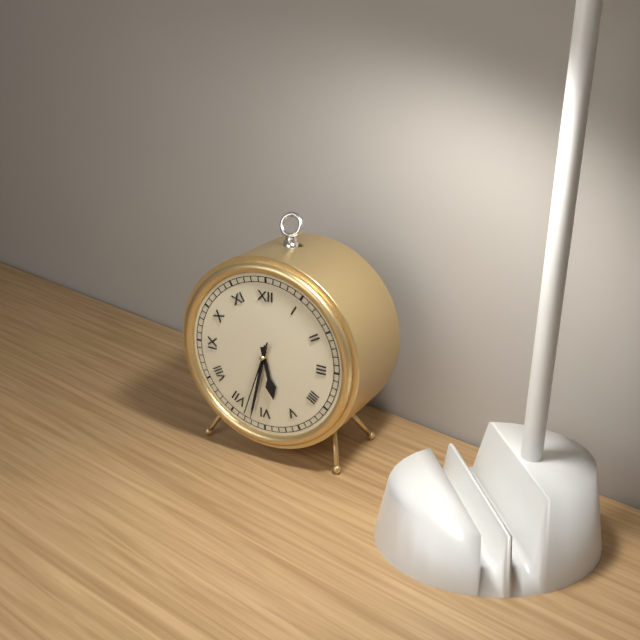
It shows 5h32m33s
